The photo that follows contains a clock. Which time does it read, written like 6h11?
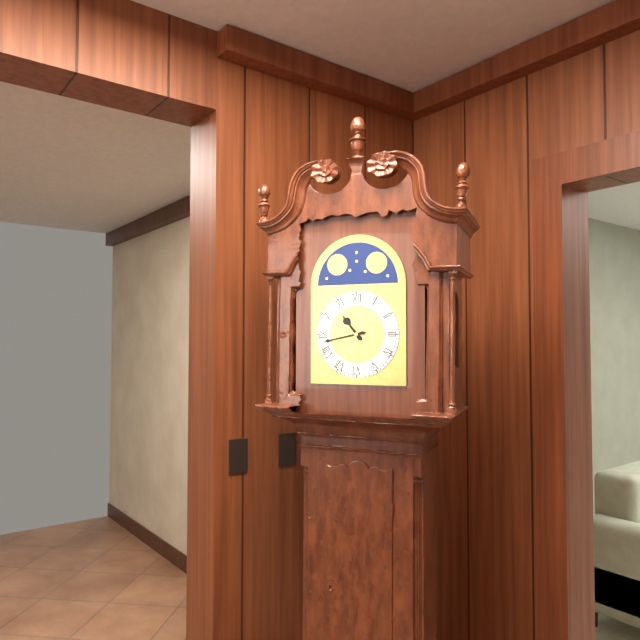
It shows 10h43
